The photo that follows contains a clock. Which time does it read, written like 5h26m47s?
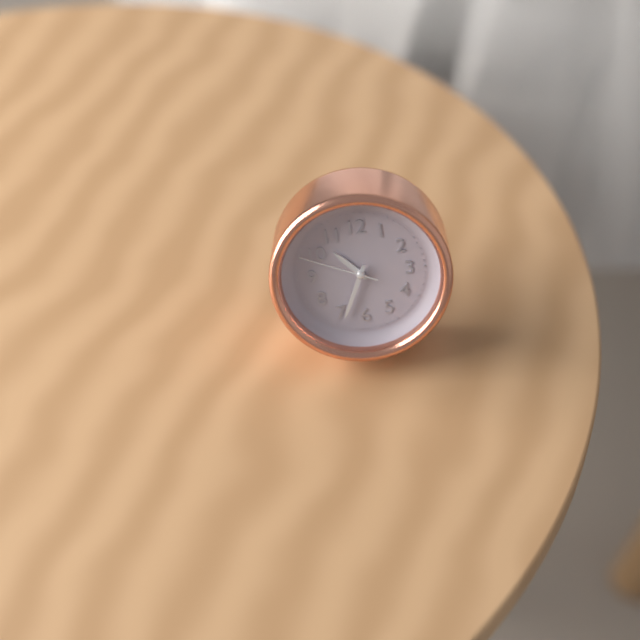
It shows 10h34m49s
